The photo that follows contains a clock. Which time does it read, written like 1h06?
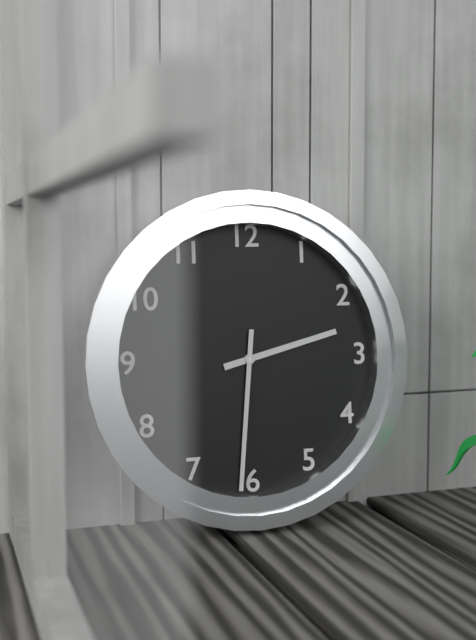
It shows 2h31
